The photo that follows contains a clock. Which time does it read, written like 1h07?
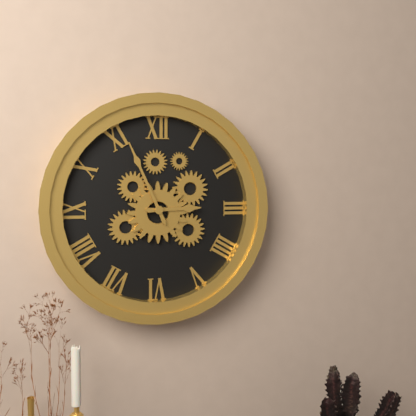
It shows 2h56
